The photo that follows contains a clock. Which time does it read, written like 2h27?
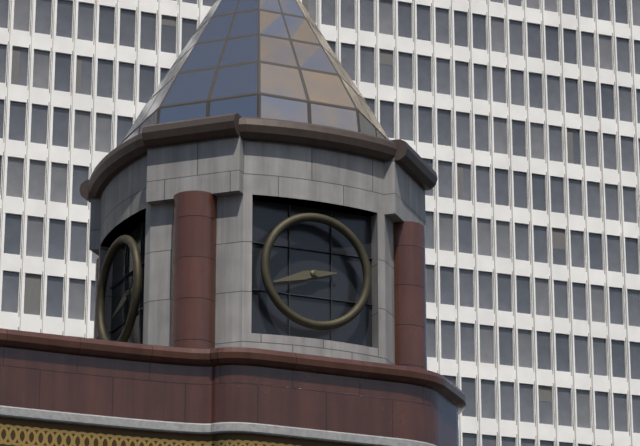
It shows 2h42
